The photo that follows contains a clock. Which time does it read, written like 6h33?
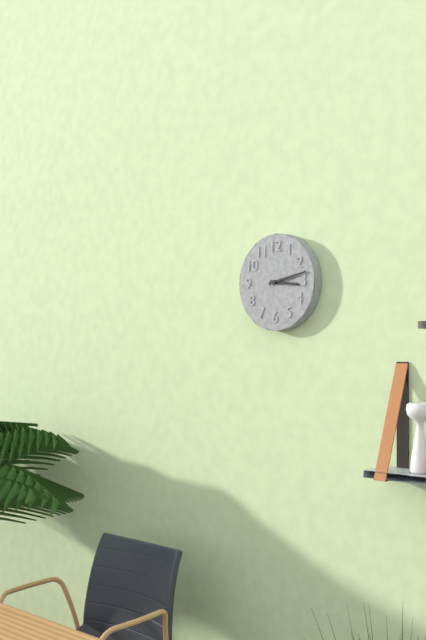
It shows 3h13
